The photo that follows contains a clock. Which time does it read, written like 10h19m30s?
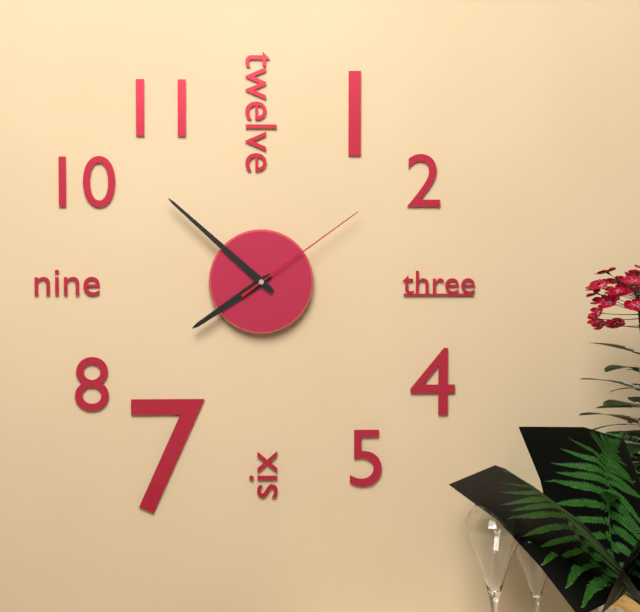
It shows 7h52m09s
